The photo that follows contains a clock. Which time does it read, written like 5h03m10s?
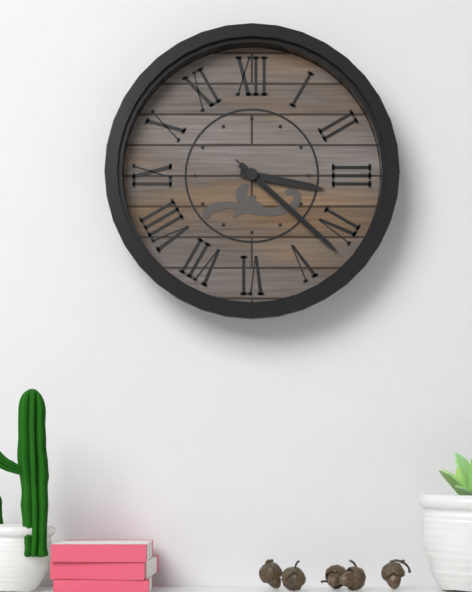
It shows 3h22m22s
